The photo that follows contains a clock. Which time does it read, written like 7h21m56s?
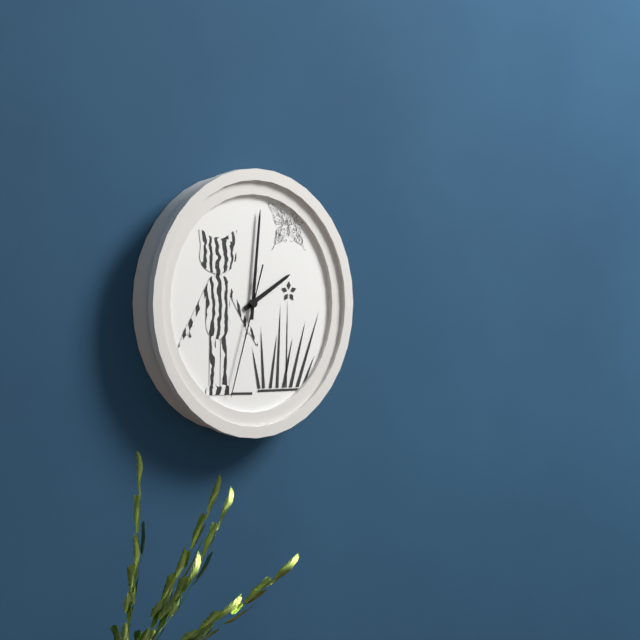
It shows 2h01m33s
